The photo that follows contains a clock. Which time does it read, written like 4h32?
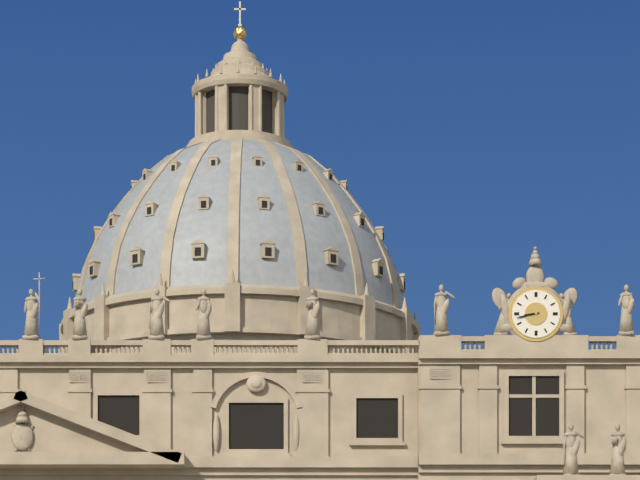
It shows 8h43
